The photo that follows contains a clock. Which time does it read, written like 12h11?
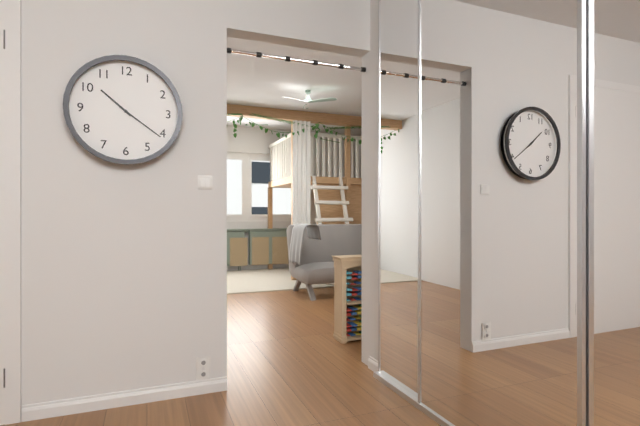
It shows 10h21
